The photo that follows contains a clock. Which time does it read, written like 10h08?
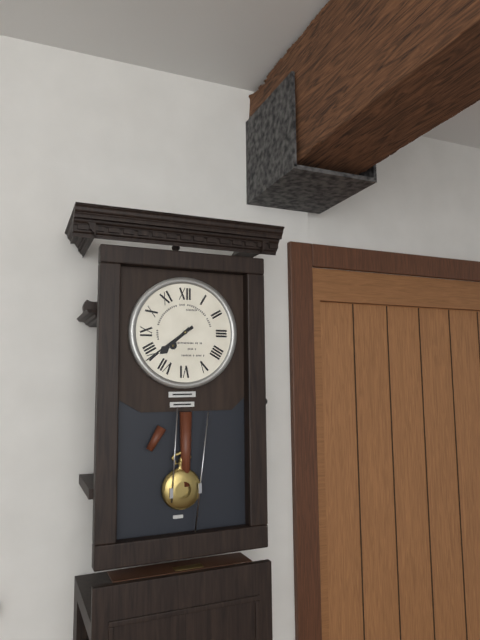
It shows 7h39
